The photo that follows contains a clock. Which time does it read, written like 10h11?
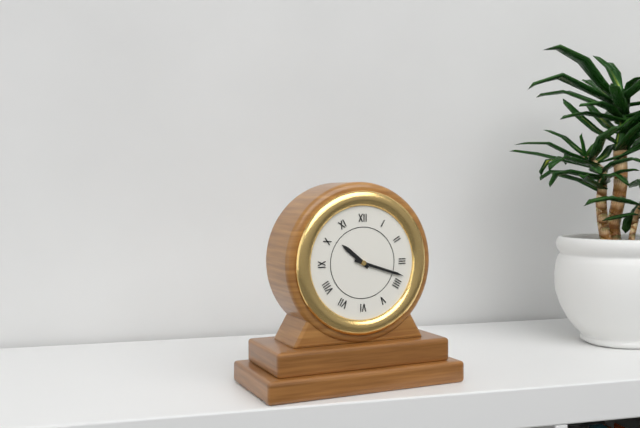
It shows 10h18
